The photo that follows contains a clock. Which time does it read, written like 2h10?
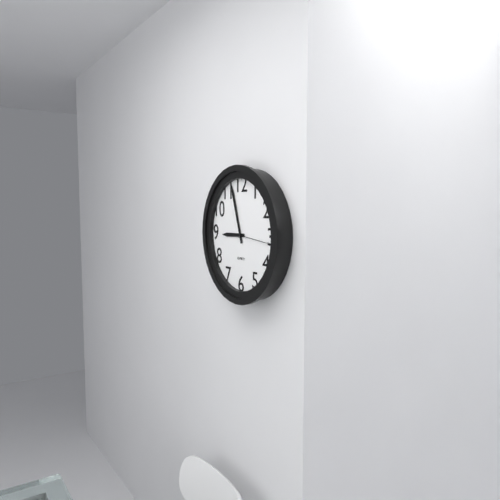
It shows 8h57
